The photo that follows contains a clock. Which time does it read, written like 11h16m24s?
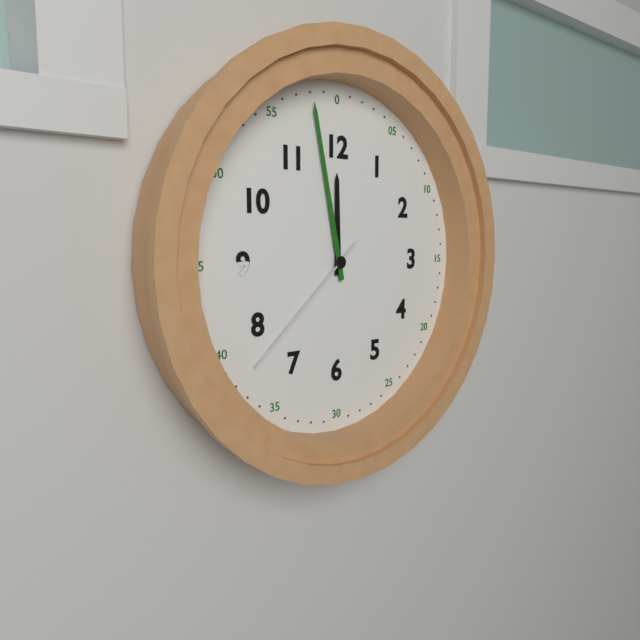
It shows 11h58m38s
